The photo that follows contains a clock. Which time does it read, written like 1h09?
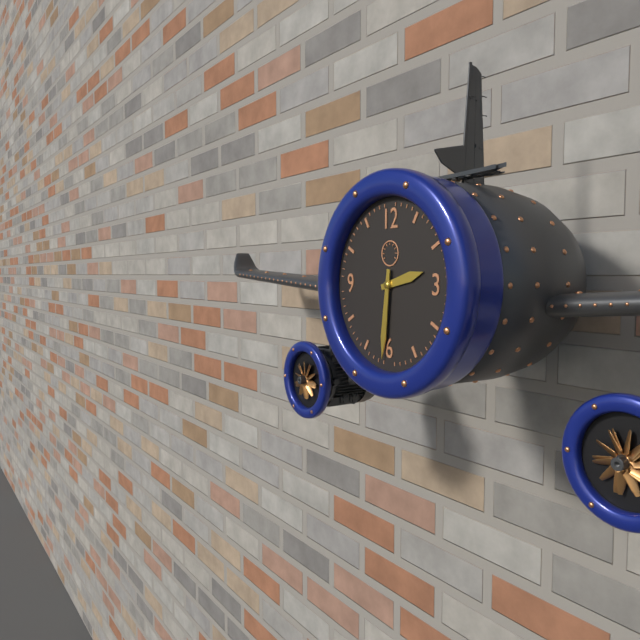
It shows 2h31
